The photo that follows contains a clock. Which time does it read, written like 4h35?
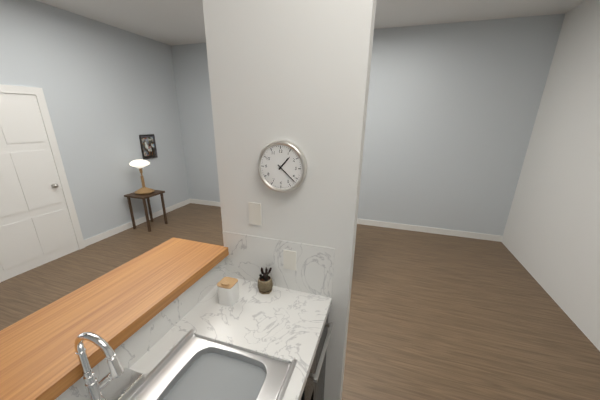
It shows 1h22
